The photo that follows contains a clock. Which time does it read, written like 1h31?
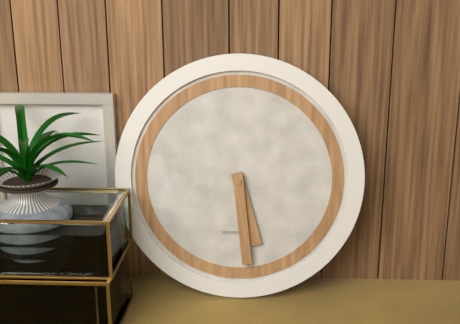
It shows 5h29
